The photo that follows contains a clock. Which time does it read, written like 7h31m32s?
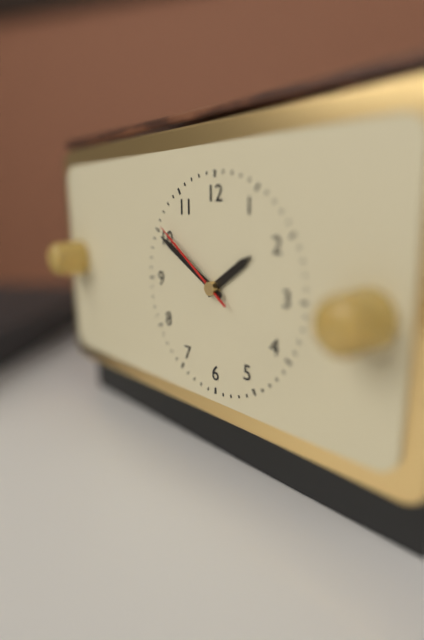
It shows 1h50m51s
